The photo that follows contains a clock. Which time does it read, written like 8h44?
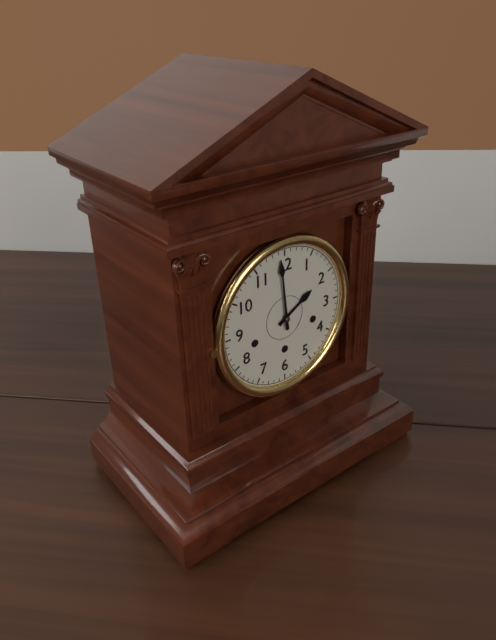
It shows 1h59
